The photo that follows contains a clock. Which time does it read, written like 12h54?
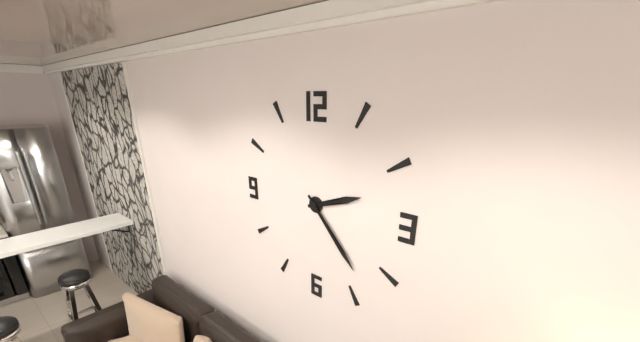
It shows 2h23
